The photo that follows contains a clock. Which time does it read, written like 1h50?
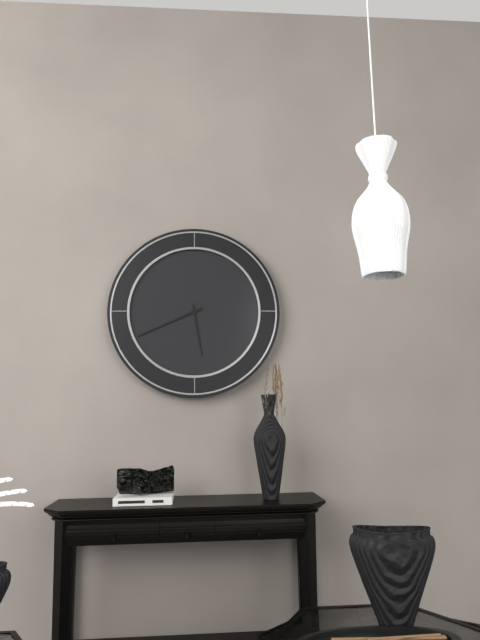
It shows 5h41
